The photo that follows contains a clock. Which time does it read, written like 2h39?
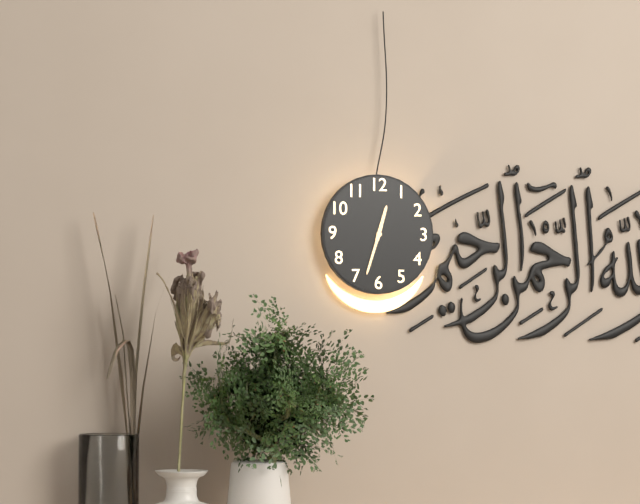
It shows 12h33
